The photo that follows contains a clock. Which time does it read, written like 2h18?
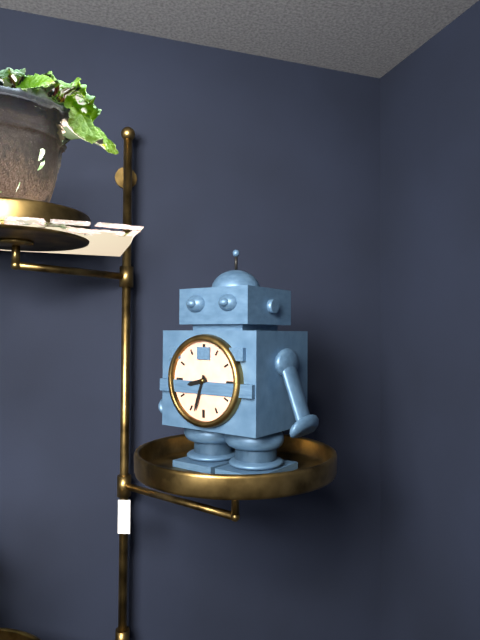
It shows 8h33
